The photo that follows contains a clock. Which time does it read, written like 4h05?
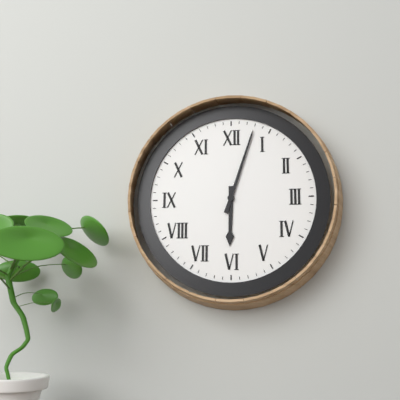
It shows 6h03
